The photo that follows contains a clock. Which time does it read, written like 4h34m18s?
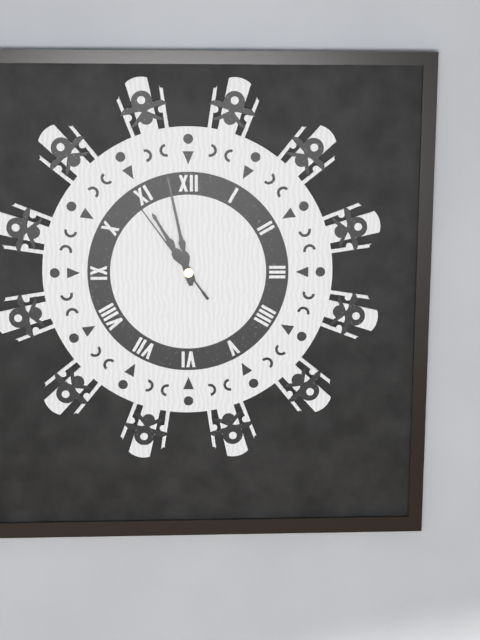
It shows 10h58m54s
